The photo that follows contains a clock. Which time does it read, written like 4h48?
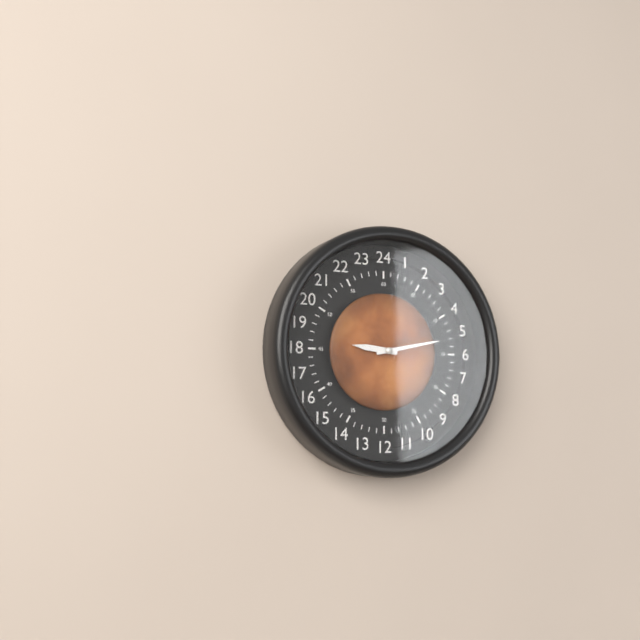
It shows 9h13
